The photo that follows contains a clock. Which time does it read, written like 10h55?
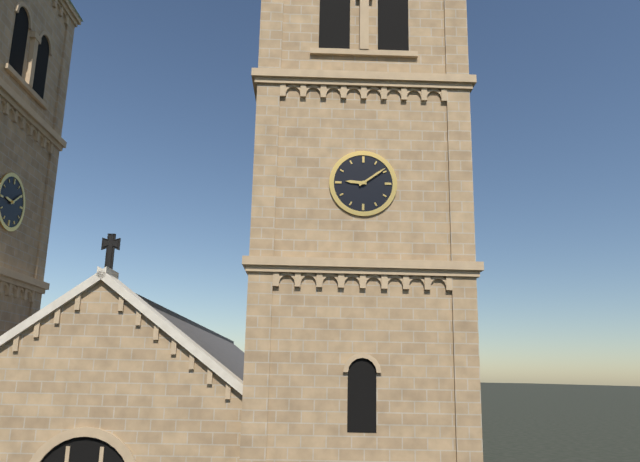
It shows 9h09
